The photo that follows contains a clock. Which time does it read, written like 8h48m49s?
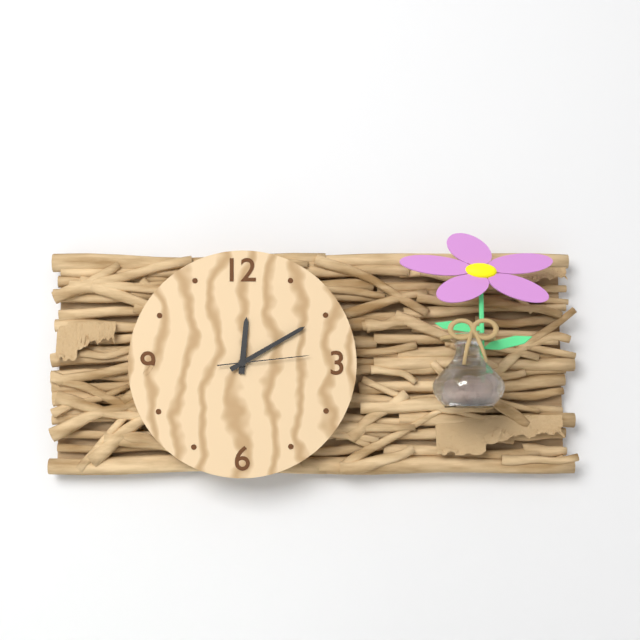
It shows 12h10m14s
